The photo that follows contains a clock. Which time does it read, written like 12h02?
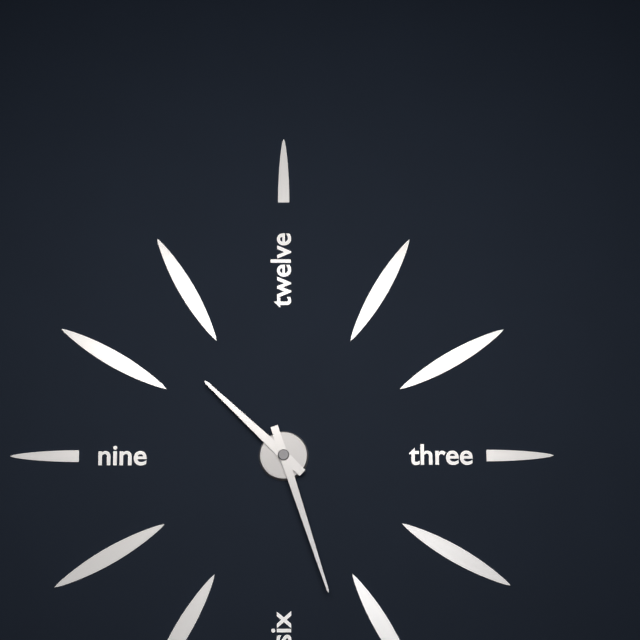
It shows 10h27
